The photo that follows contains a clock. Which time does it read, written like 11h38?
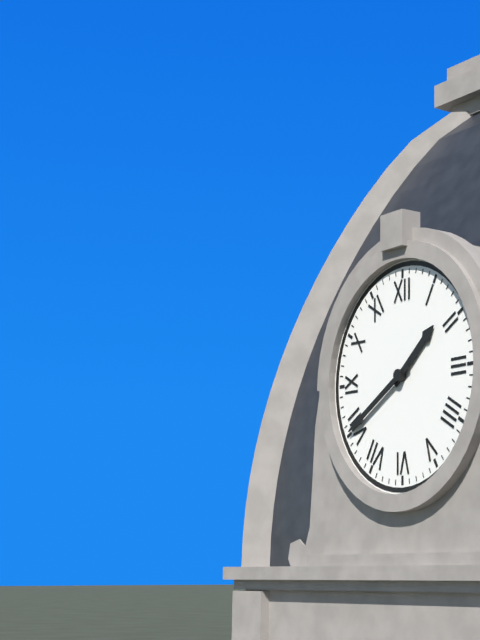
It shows 1h40
